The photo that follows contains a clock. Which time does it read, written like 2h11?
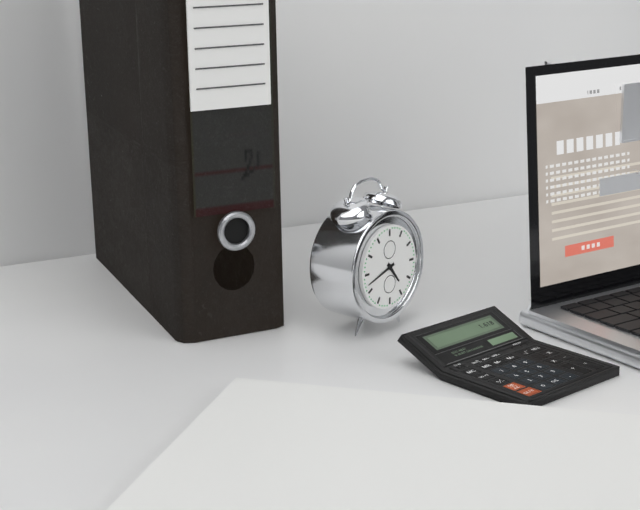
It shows 4h42
